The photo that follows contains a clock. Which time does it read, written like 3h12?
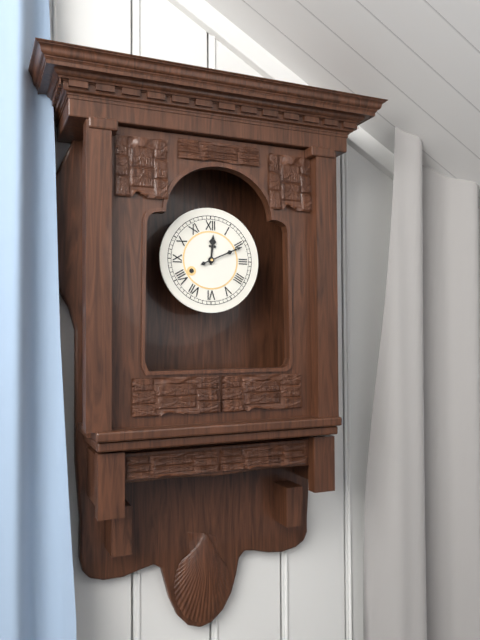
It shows 12h11
